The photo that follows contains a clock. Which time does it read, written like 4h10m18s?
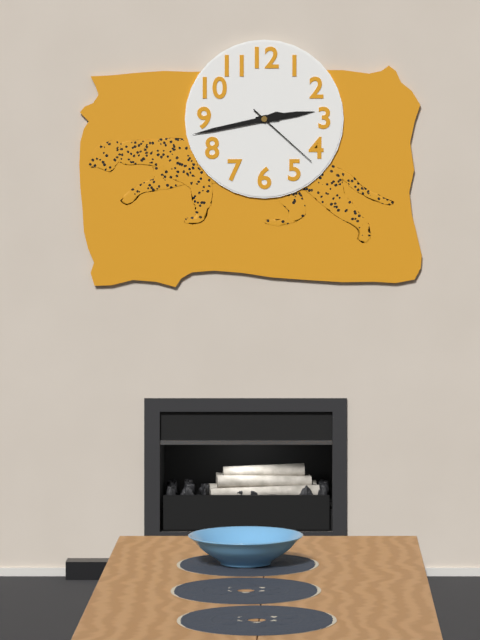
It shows 2h43m22s
